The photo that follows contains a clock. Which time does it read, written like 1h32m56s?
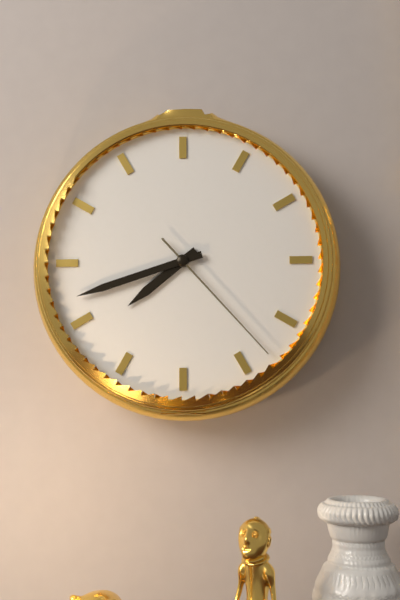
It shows 7h42m23s
